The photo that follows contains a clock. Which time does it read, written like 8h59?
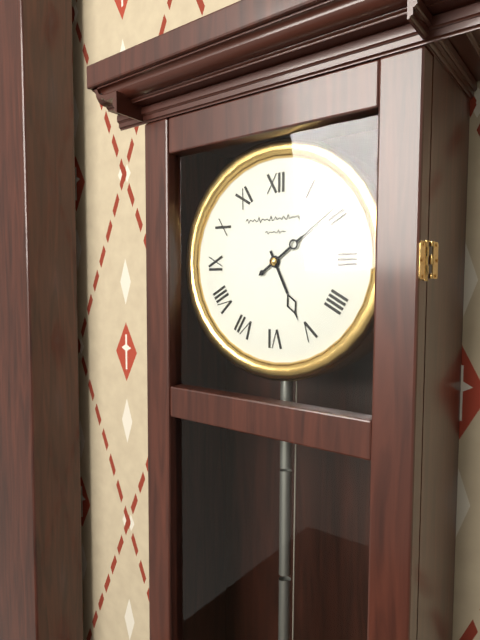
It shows 5h09
